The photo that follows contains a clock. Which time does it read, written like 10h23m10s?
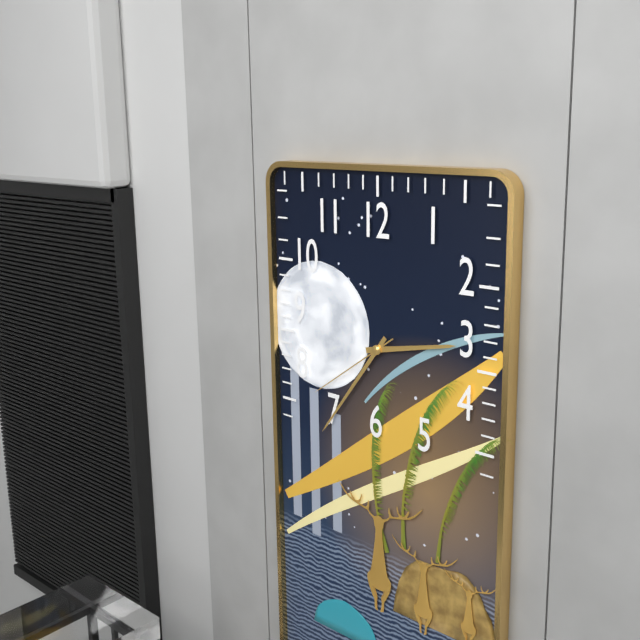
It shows 2h36m39s
